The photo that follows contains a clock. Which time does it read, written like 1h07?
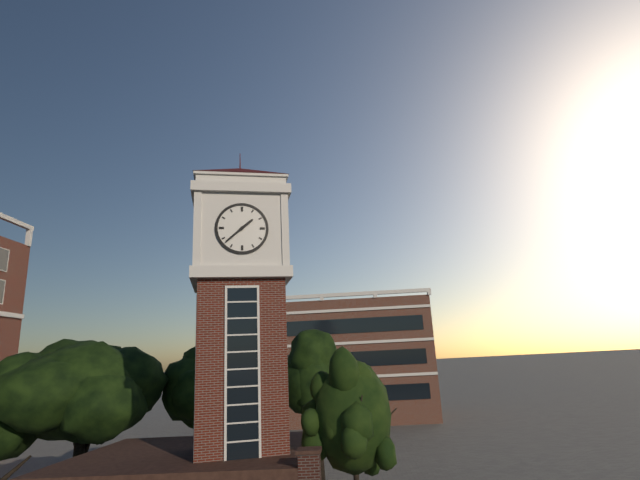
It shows 1h38
